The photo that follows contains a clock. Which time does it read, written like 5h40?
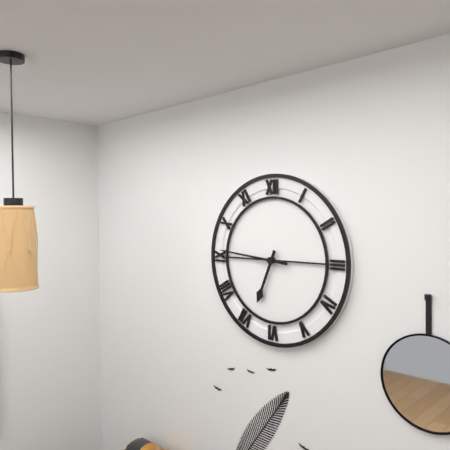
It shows 6h46
